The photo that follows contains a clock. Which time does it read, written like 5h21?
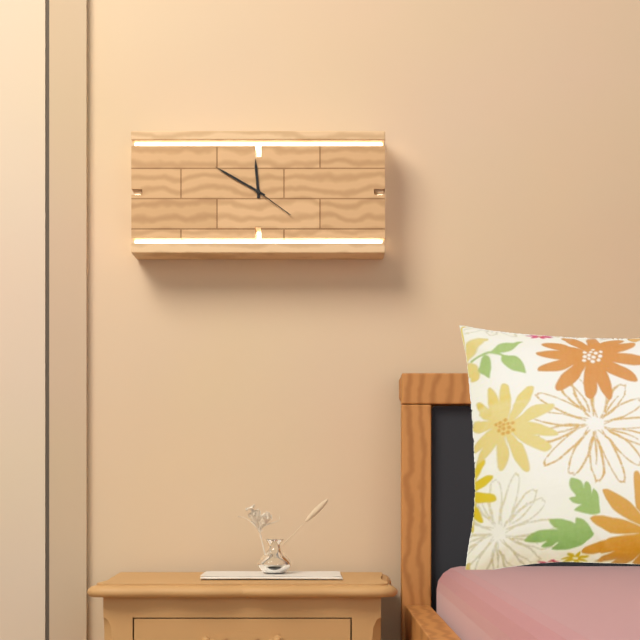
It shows 11h50
